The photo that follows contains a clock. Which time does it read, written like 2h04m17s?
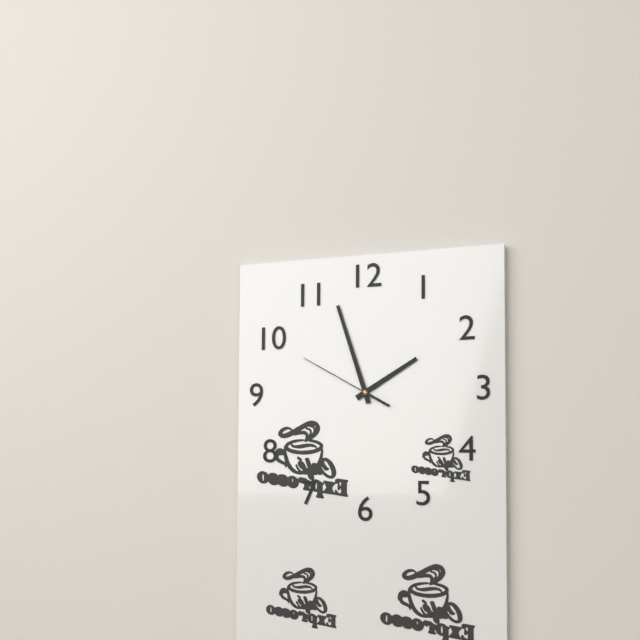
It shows 1h57m50s
